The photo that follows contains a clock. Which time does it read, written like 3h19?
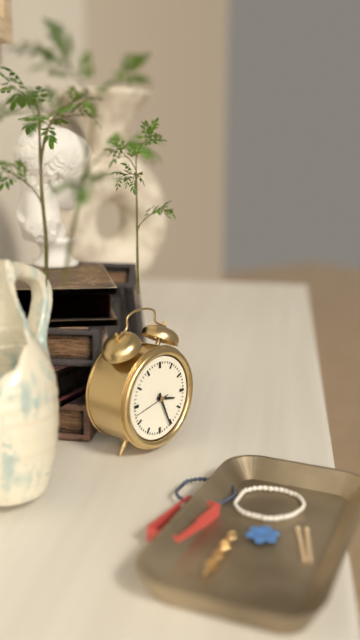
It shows 3h26
